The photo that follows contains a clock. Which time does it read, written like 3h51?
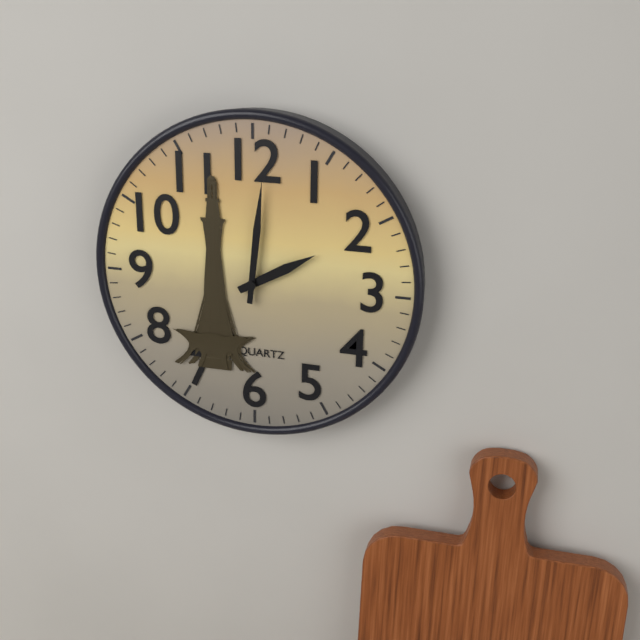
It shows 2h01
